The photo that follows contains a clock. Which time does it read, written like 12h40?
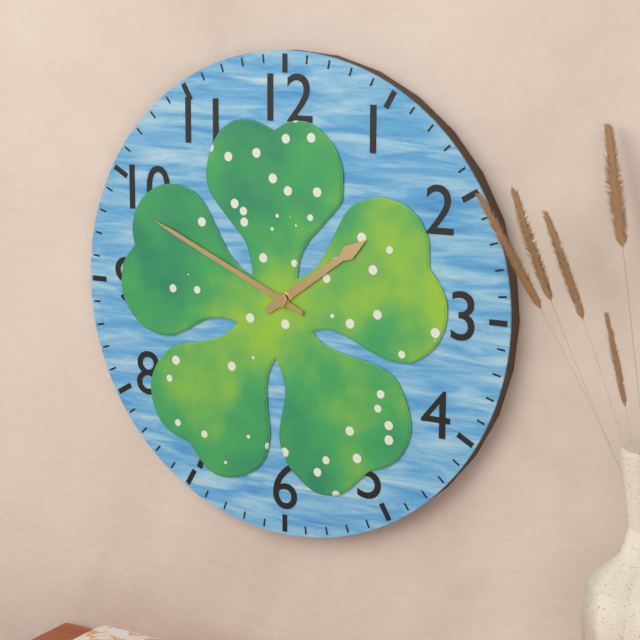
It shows 1h49
